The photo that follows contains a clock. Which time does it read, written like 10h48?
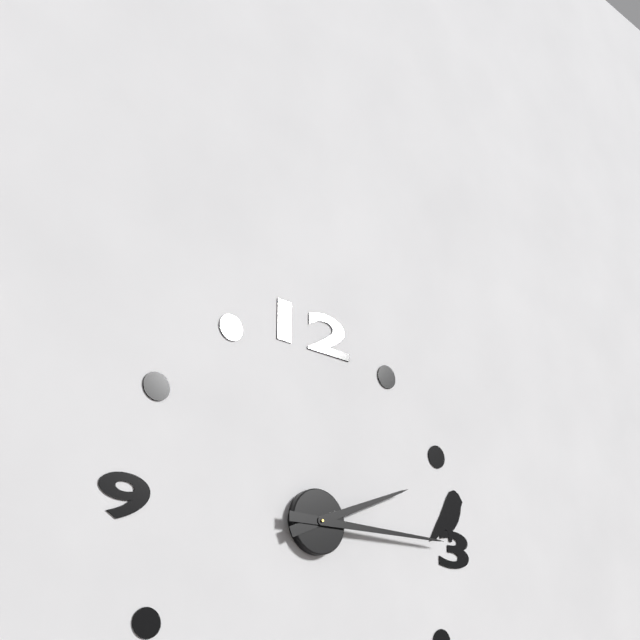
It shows 2h15
